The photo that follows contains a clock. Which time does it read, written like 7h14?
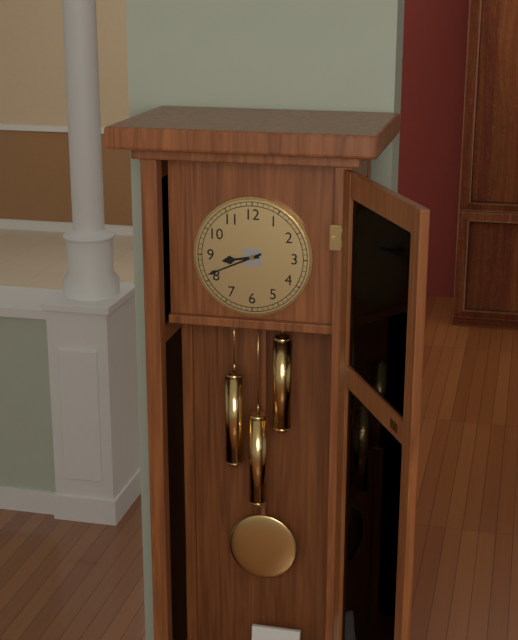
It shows 8h41
